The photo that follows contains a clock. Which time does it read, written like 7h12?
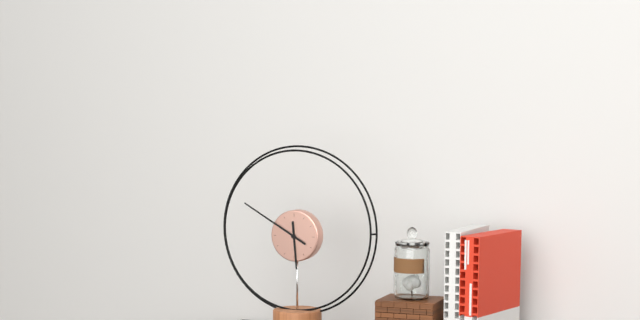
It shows 5h50
